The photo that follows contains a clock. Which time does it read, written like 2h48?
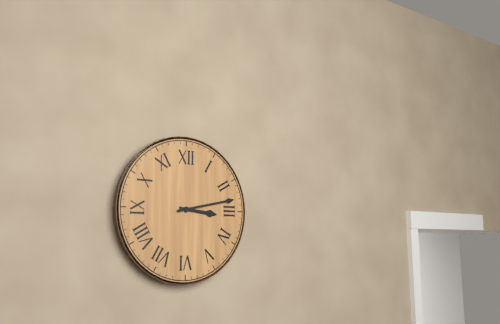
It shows 3h13
